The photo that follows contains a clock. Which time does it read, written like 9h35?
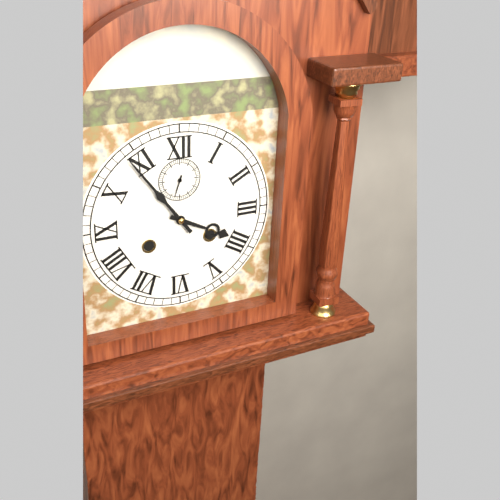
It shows 3h54
